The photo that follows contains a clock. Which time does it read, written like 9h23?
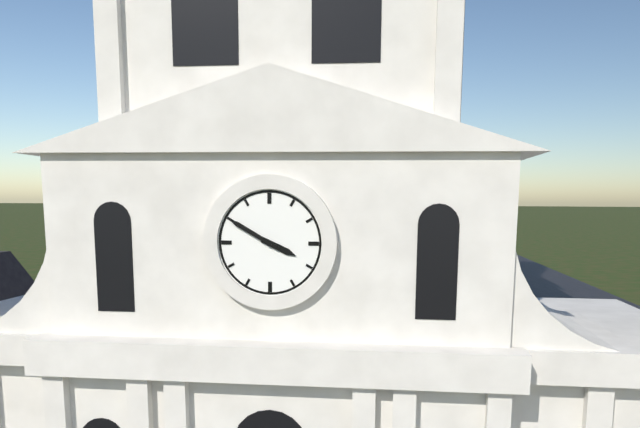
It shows 3h50
